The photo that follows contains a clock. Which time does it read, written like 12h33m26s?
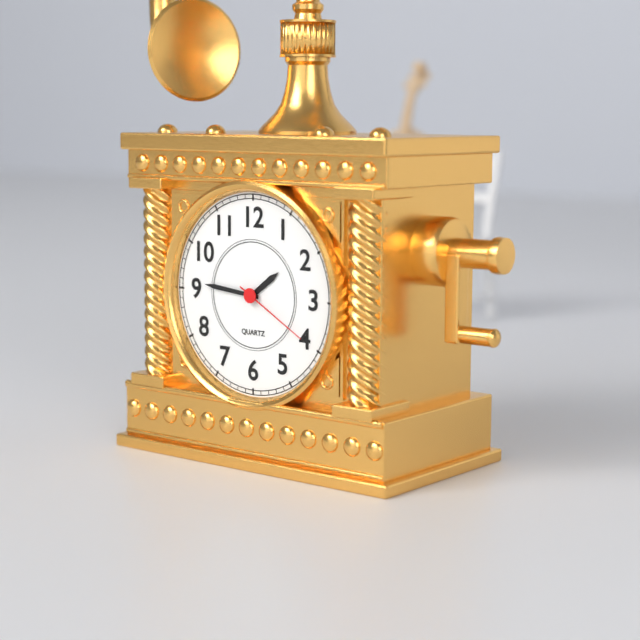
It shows 1h46m20s
